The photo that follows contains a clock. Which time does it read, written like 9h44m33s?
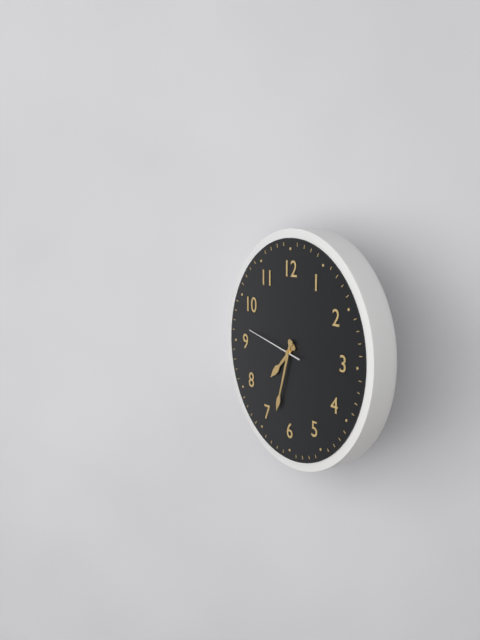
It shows 7h33m47s
